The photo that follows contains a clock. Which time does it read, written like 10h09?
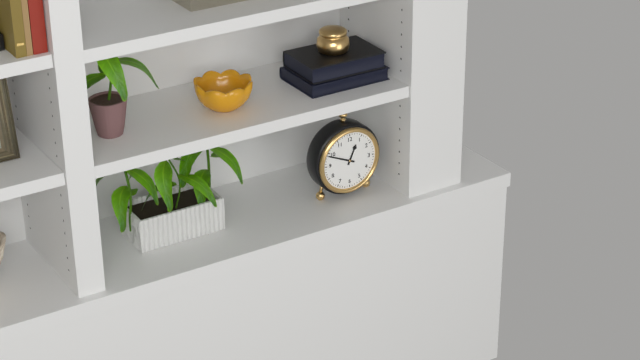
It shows 12h49
